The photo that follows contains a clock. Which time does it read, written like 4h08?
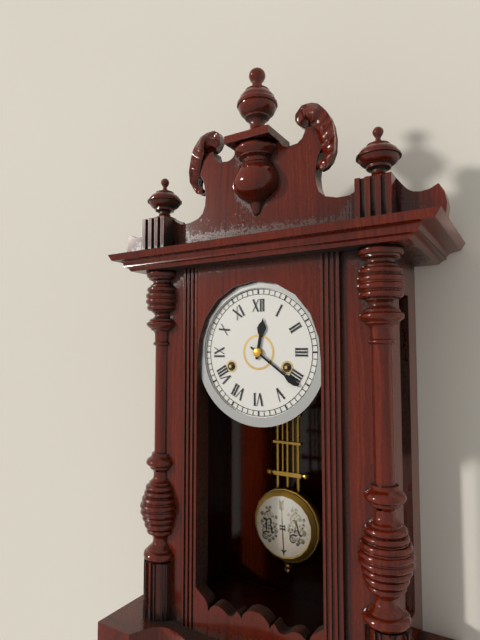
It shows 12h21
